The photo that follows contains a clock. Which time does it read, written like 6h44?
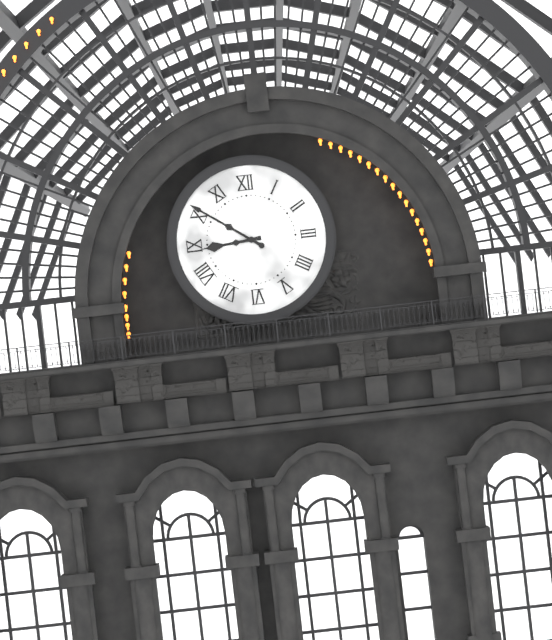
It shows 8h51
